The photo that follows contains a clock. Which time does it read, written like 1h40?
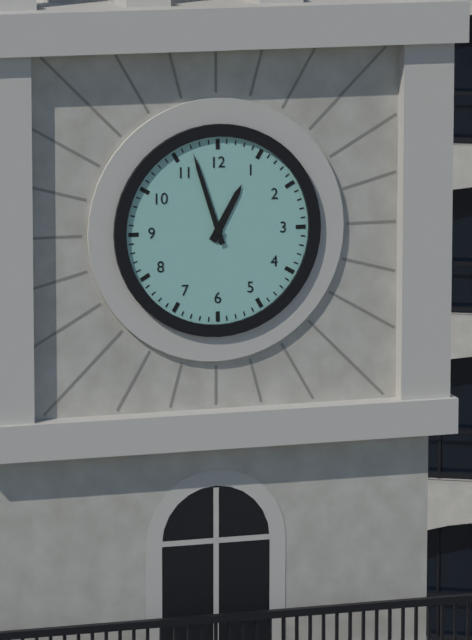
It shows 12h57
